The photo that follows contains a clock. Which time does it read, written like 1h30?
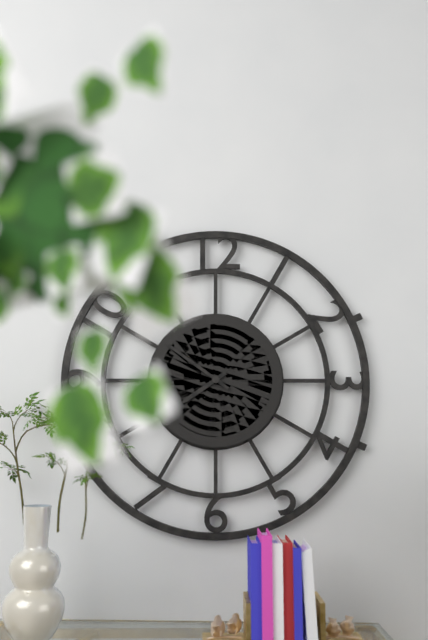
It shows 7h51
